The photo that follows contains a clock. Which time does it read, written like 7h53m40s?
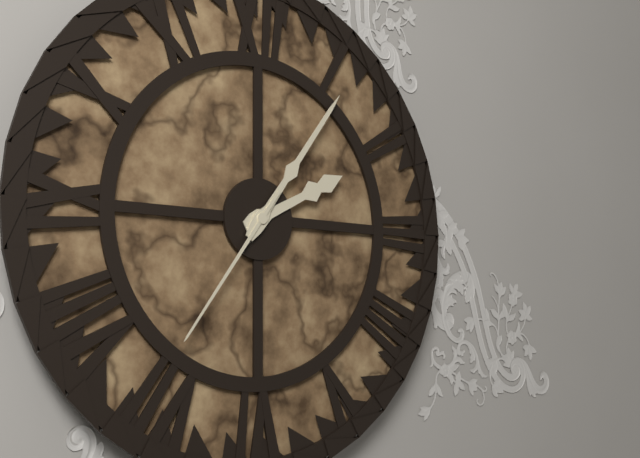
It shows 2h06m36s
